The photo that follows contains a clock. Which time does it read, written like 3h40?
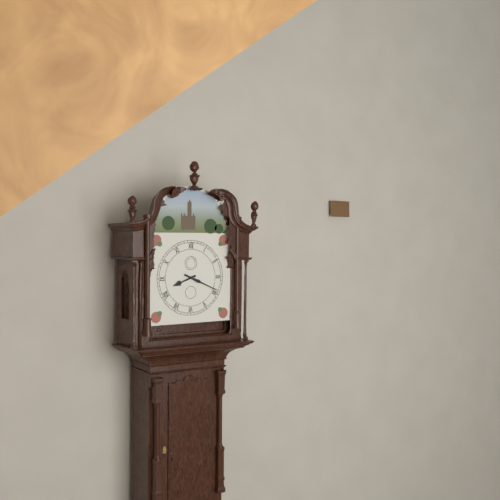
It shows 8h19
